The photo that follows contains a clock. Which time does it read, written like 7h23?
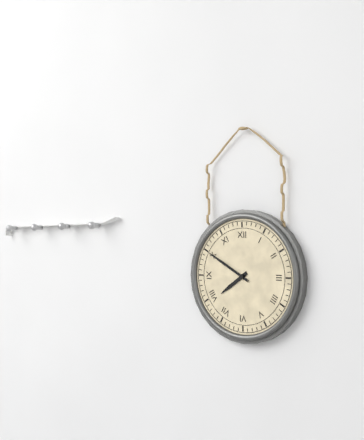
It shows 7h50
